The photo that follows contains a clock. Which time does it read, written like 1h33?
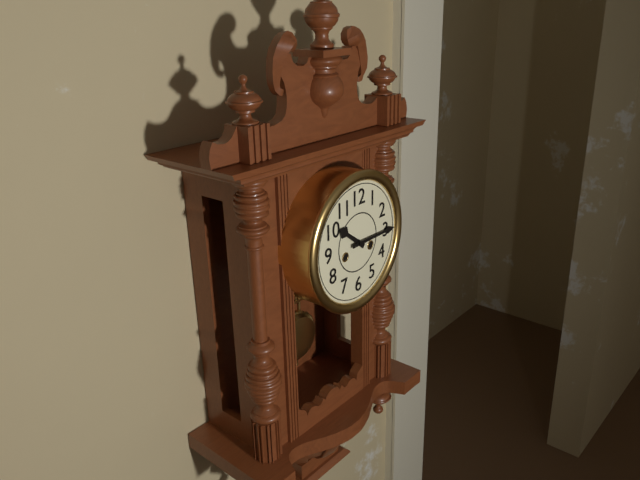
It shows 10h15
